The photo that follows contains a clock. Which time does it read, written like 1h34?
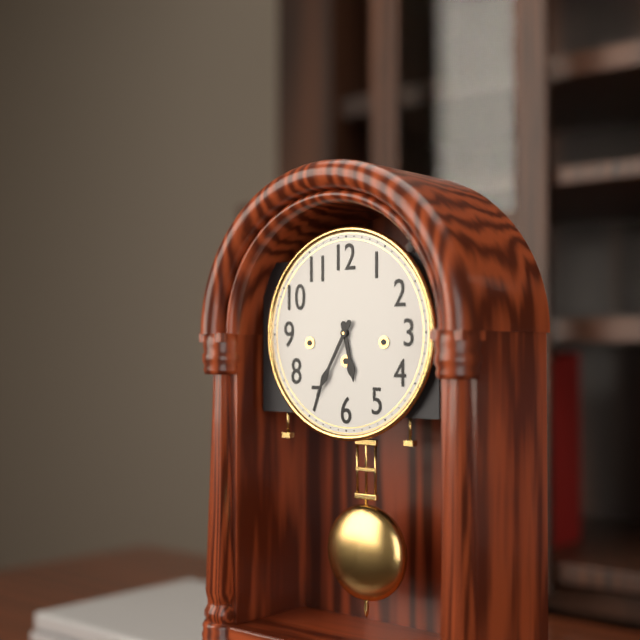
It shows 5h35
